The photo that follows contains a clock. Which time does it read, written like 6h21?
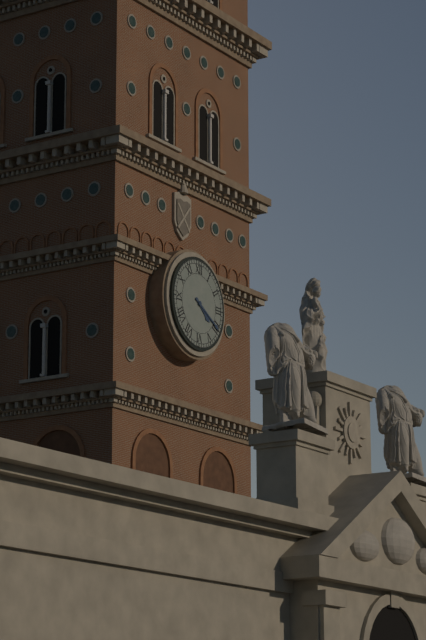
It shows 4h20
